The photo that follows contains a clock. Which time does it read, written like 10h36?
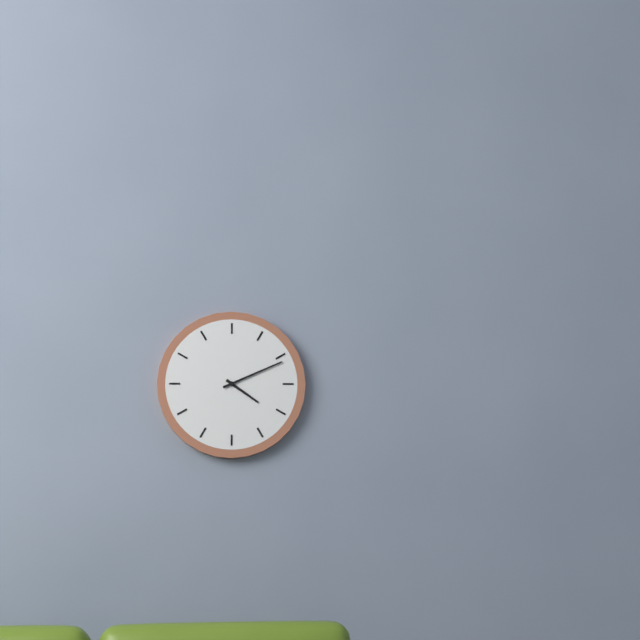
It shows 4h11
